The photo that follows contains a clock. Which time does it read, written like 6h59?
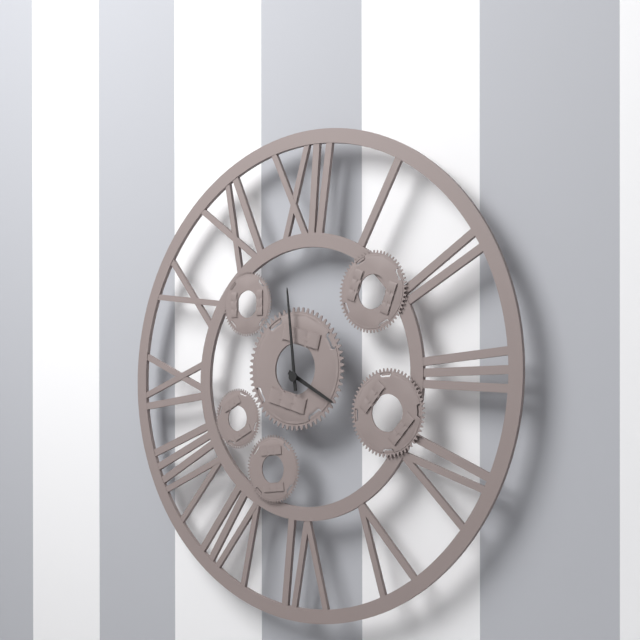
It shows 3h59
